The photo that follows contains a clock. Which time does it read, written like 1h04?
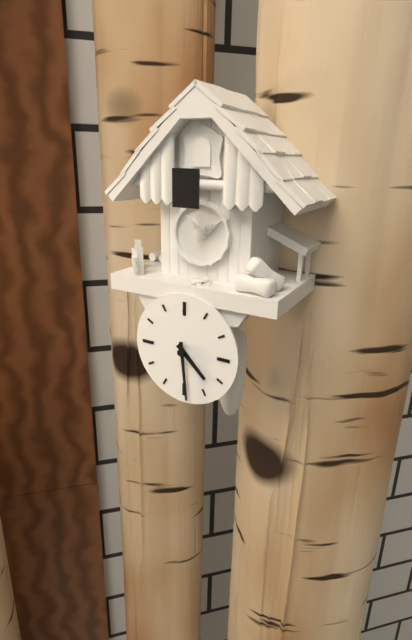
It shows 4h29
